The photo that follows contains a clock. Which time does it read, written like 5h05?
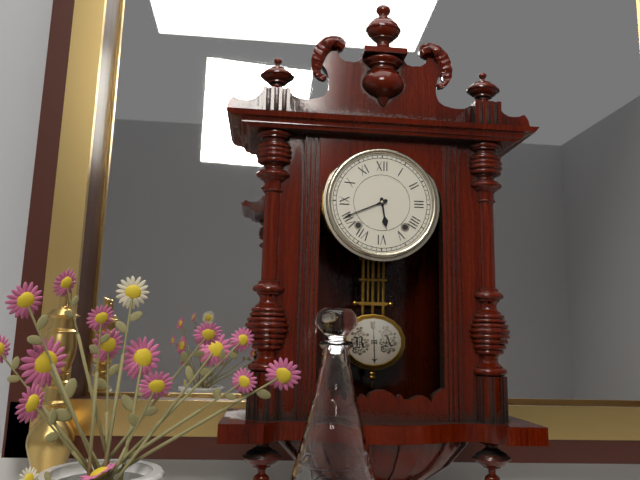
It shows 5h41
